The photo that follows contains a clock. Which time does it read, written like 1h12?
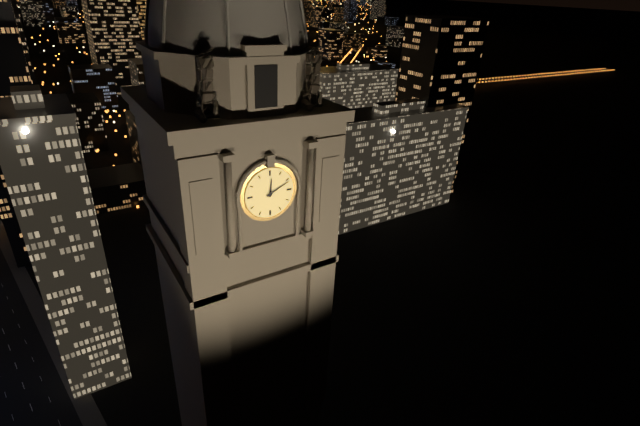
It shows 12h11
